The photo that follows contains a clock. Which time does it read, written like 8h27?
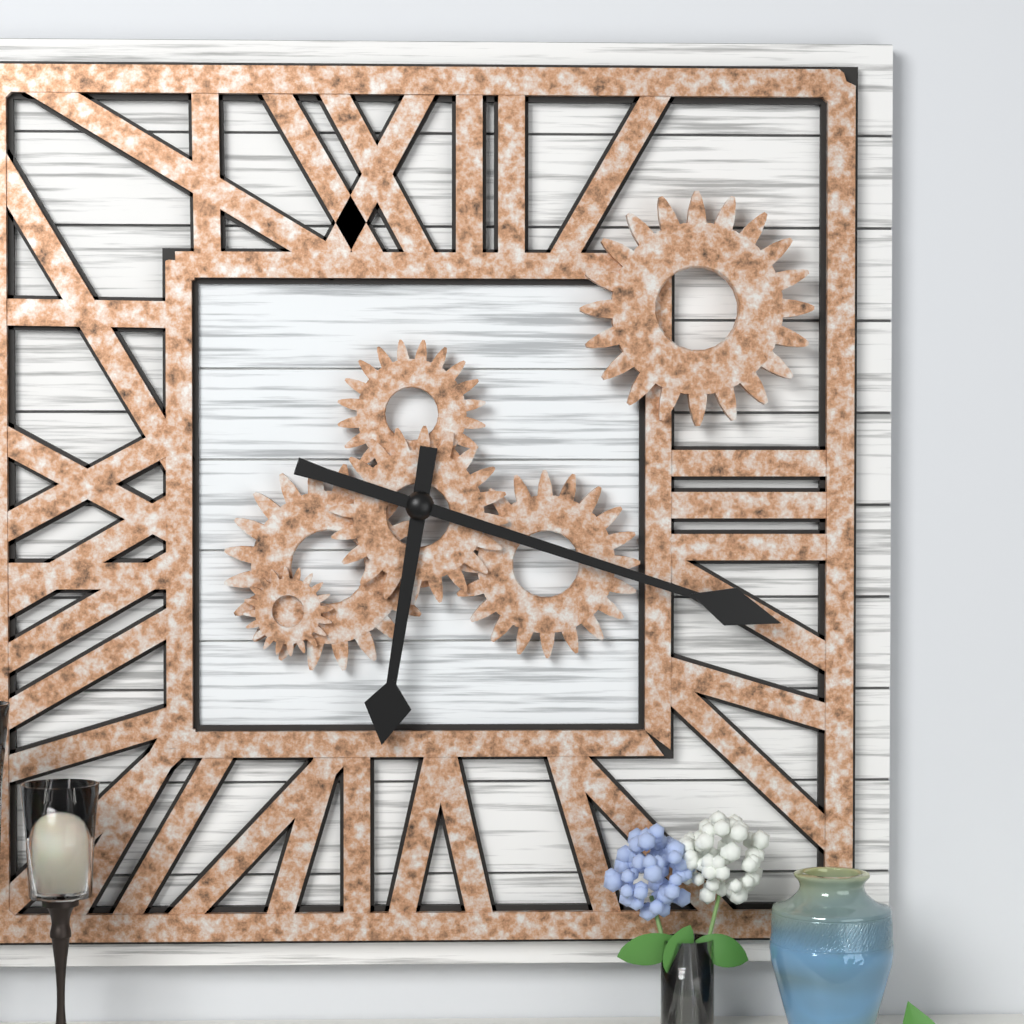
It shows 6h18
